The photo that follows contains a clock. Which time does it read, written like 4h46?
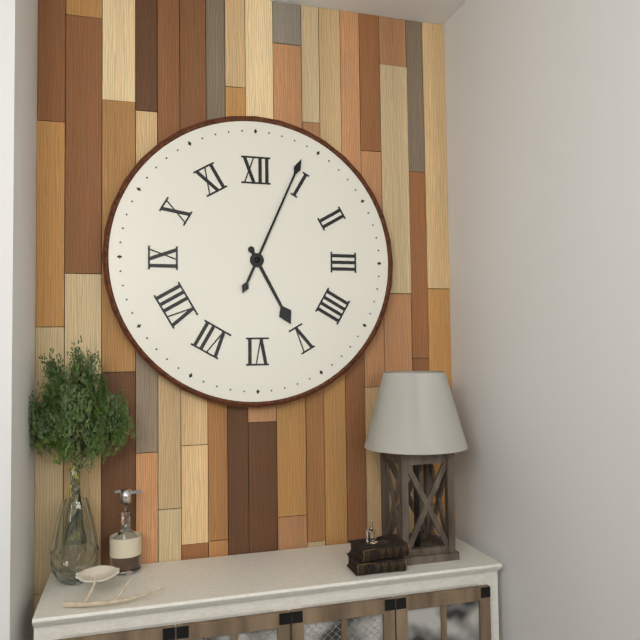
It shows 5h04
